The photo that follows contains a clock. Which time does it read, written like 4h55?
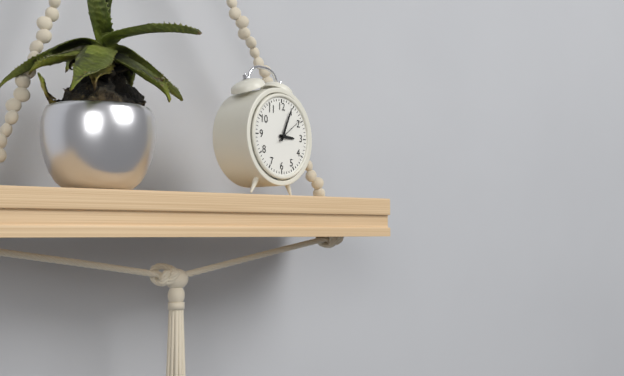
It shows 3h04
